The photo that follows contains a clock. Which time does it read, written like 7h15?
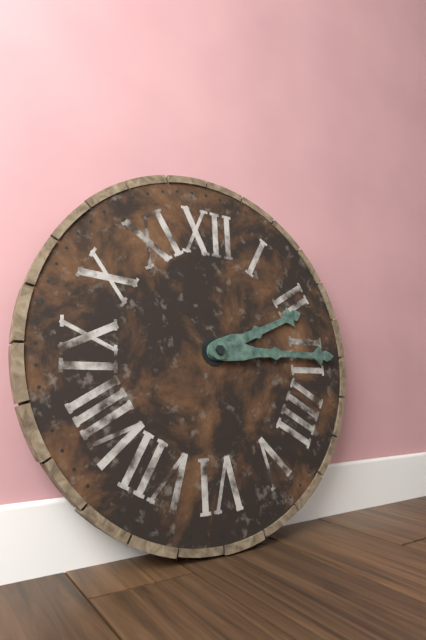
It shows 2h15
